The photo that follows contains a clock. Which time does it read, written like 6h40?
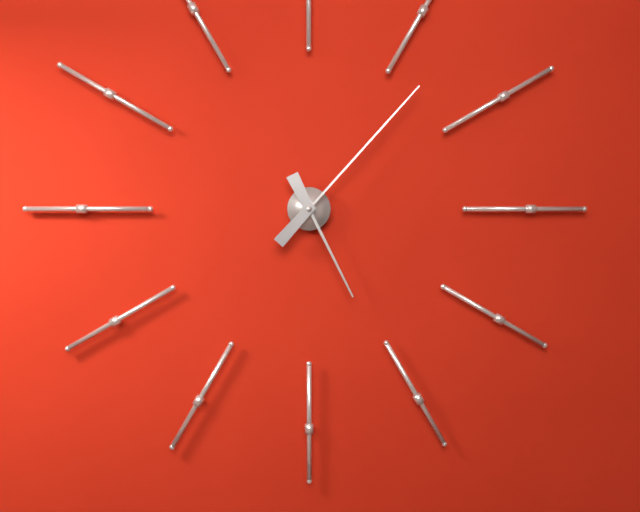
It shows 5h07
